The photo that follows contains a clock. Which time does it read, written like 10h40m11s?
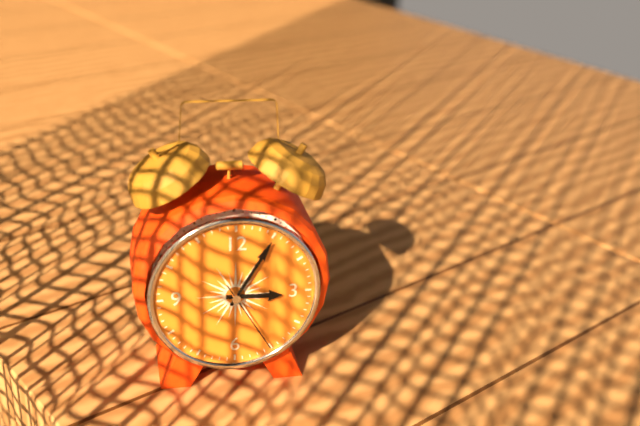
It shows 3h05m25s
